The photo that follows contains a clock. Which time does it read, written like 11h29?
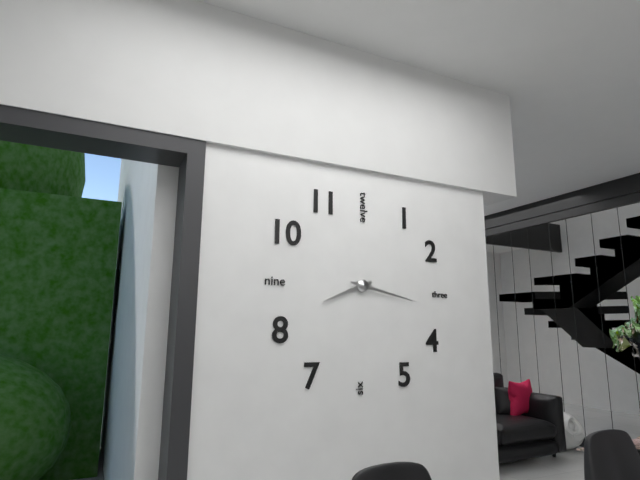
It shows 8h17
